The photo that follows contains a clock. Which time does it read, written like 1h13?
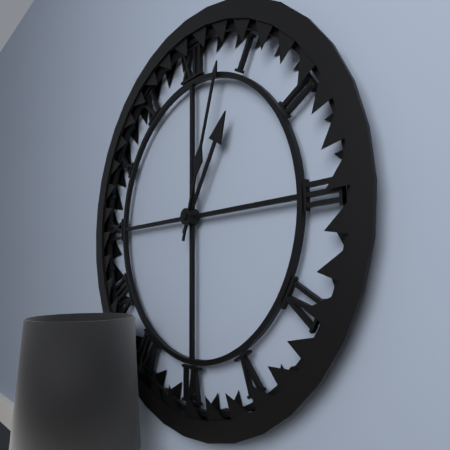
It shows 1h03
